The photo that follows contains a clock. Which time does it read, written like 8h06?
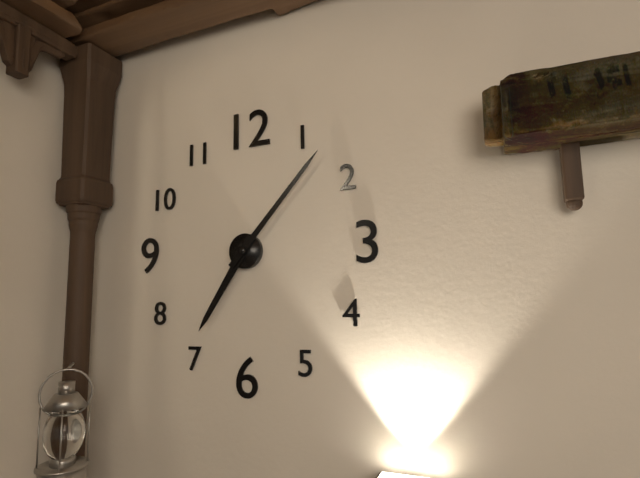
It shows 7h07
